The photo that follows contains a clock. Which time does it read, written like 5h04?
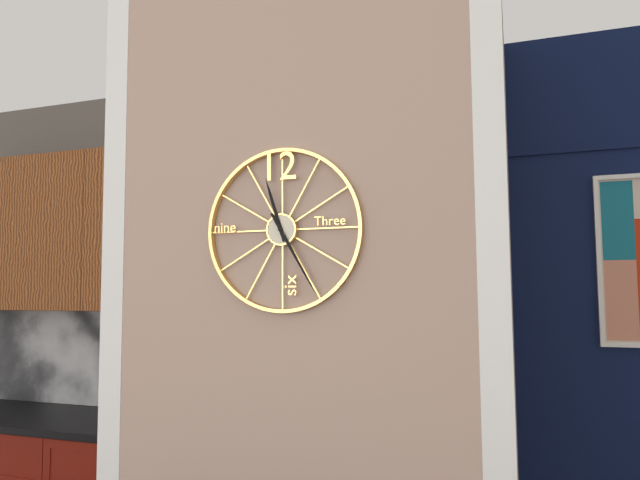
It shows 11h25
